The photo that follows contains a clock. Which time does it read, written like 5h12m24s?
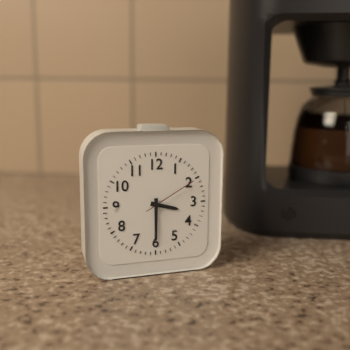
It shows 3h30m10s
